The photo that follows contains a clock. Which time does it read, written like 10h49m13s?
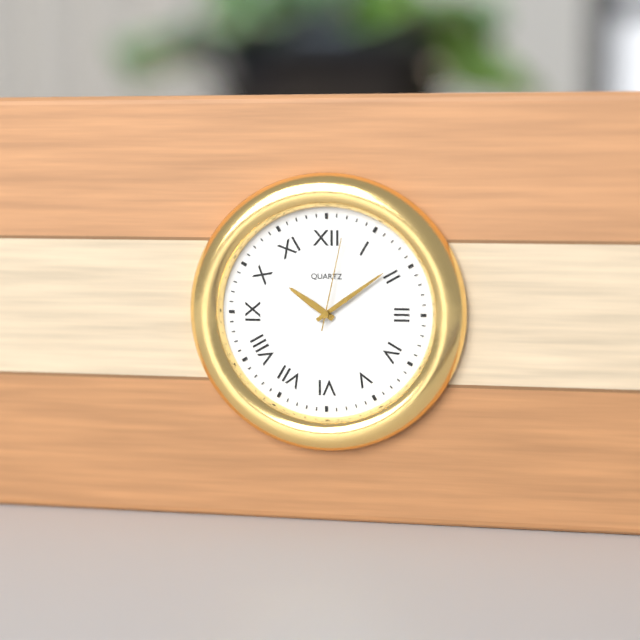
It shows 10h09m02s
